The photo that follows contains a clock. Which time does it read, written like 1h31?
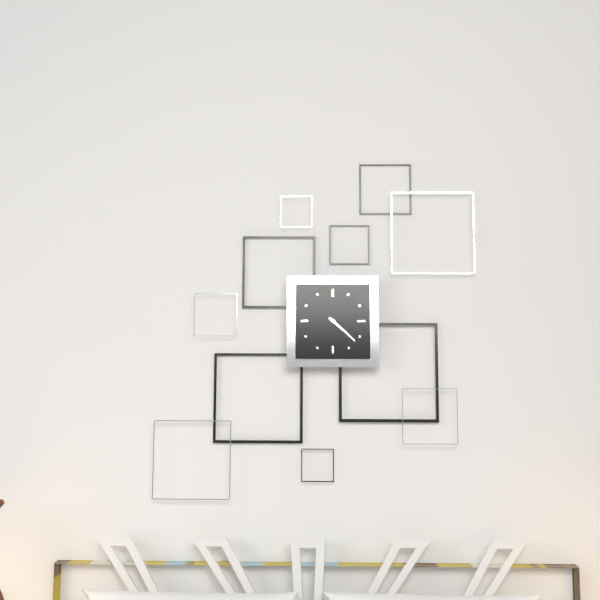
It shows 4h22
